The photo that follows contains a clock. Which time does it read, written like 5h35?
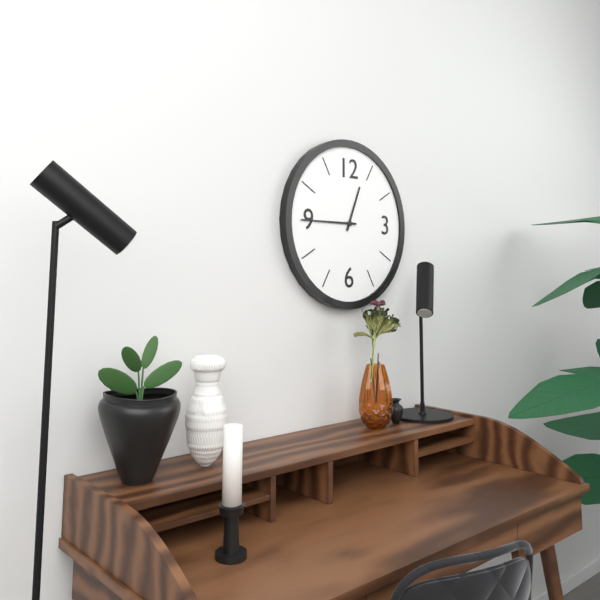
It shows 12h45
